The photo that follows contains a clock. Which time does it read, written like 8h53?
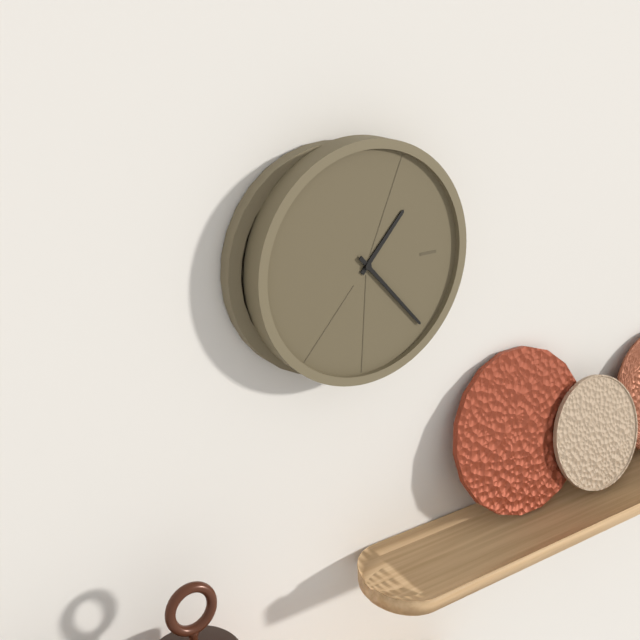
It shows 1h23
